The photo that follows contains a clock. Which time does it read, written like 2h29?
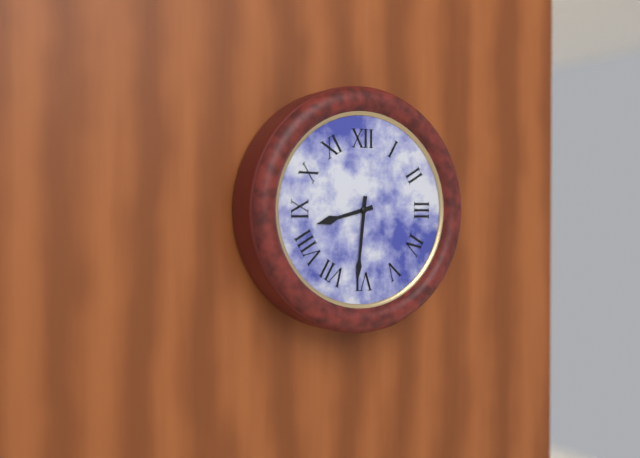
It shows 8h31
